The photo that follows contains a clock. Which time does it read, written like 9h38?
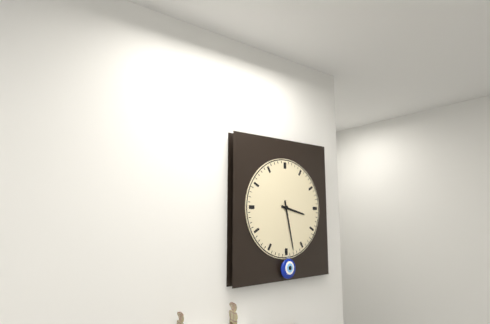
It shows 3h28
